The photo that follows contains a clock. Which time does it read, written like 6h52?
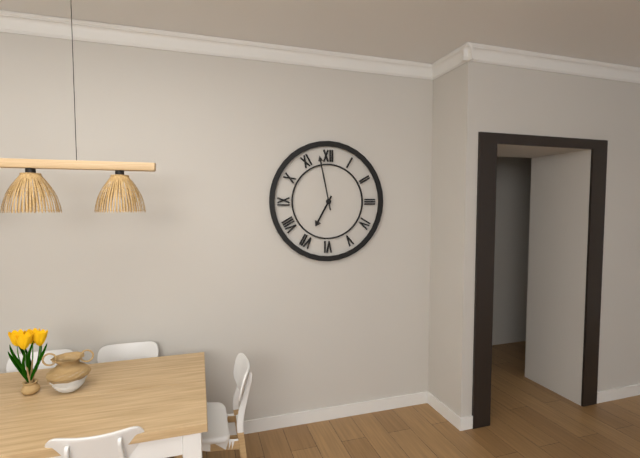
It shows 6h58
